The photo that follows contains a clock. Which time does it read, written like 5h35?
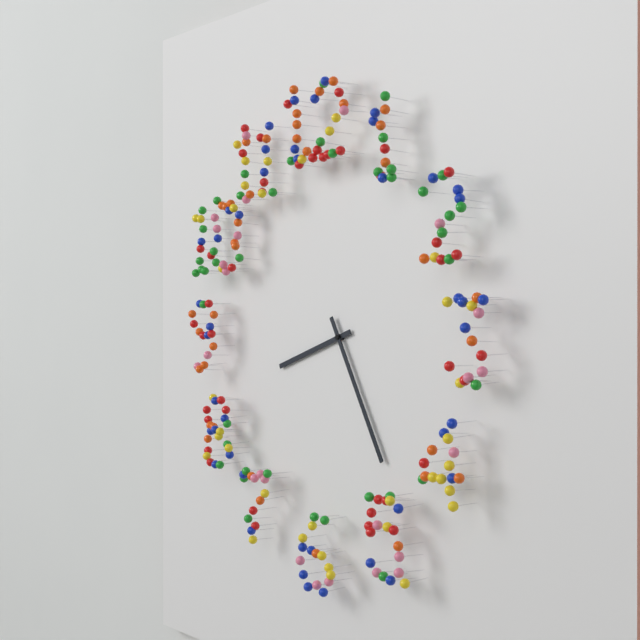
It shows 8h25
